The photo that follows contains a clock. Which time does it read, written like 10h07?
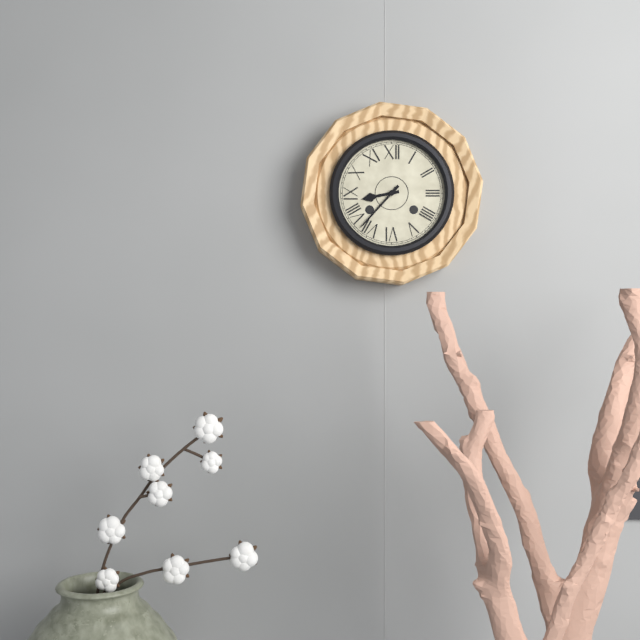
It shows 8h37
